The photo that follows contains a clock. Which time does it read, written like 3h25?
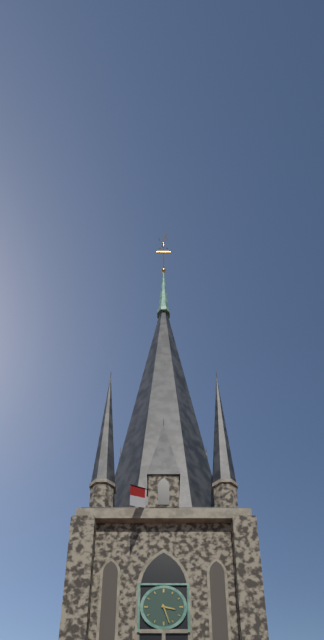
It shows 3h27
